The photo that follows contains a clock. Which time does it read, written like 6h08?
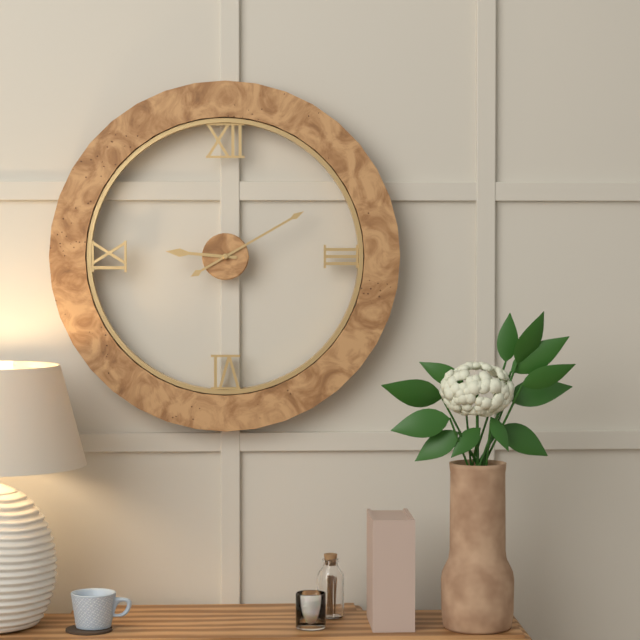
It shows 9h10
